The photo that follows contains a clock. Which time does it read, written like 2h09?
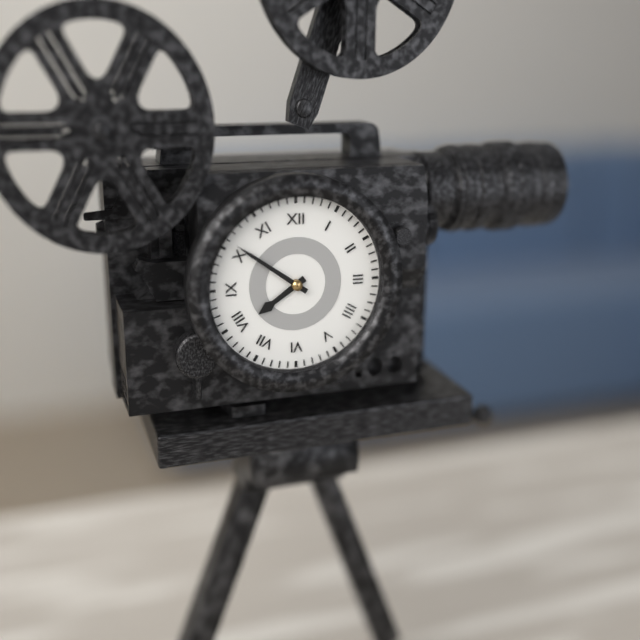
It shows 7h51
